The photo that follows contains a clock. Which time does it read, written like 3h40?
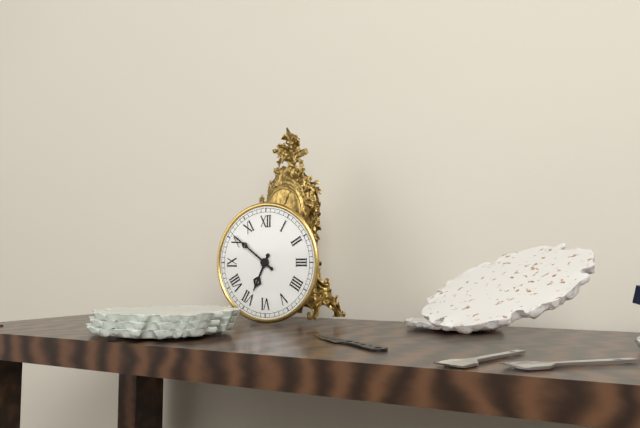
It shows 6h51
